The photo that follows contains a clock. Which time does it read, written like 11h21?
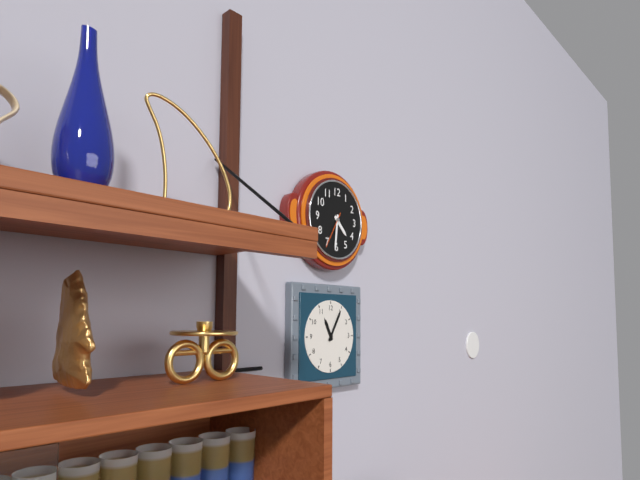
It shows 4h31
